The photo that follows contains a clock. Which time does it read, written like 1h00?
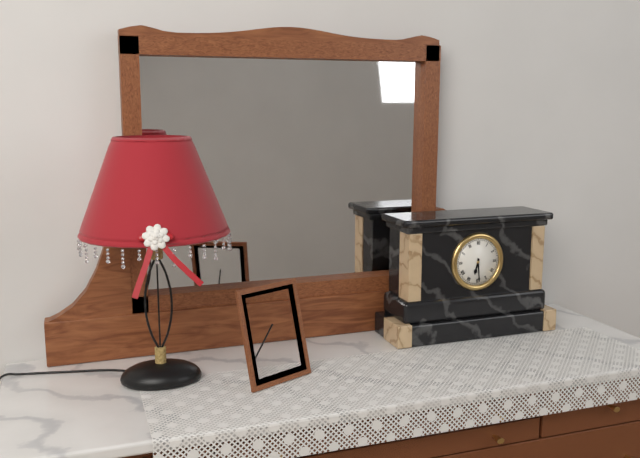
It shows 6h29
